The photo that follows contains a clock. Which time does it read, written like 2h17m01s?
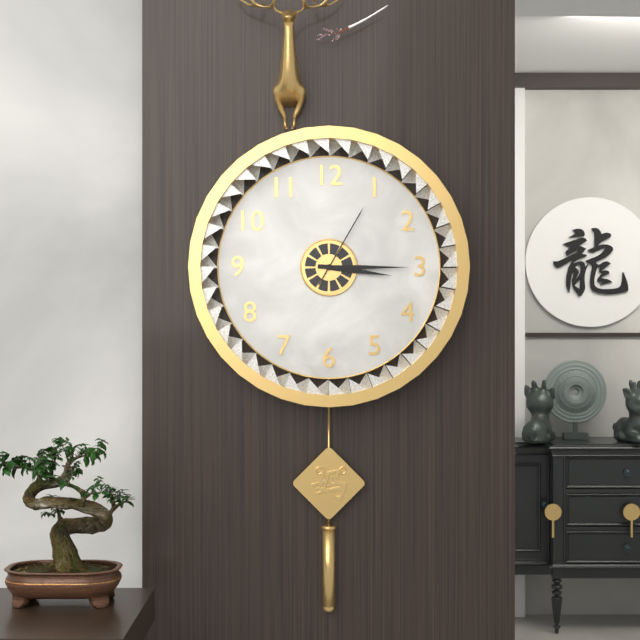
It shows 3h15m05s
